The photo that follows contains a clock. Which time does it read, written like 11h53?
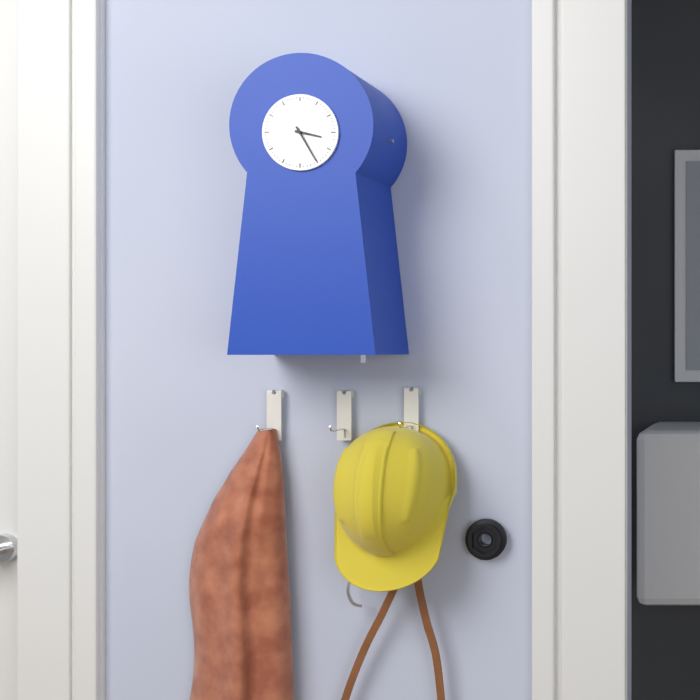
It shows 3h25
